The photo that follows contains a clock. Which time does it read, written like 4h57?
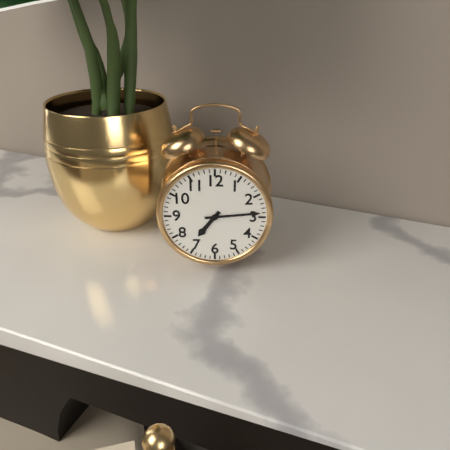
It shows 7h14
